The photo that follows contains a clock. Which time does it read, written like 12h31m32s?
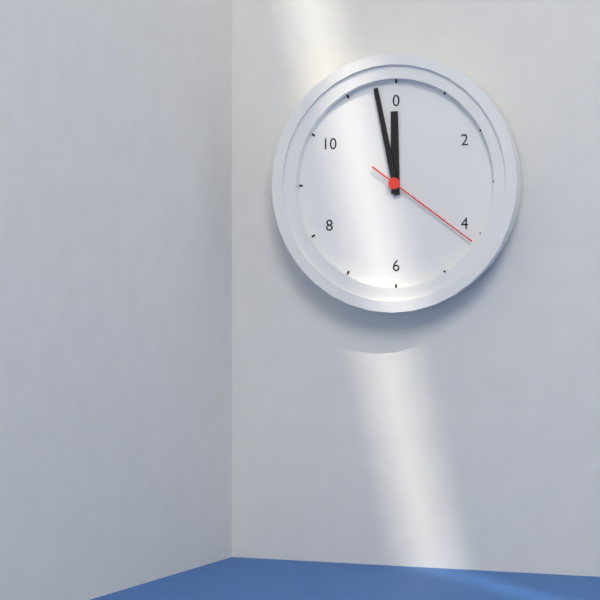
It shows 11h58m21s
